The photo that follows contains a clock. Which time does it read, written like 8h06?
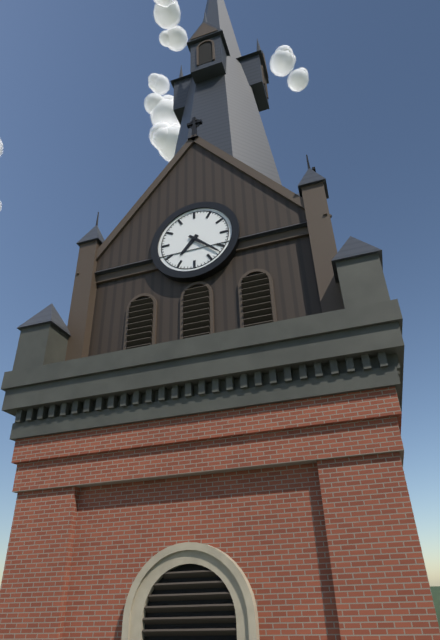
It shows 7h22
